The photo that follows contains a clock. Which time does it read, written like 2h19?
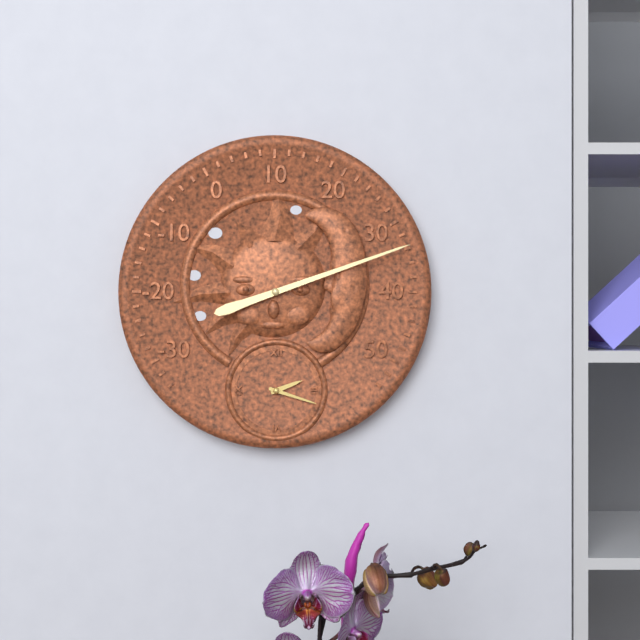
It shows 2h18
